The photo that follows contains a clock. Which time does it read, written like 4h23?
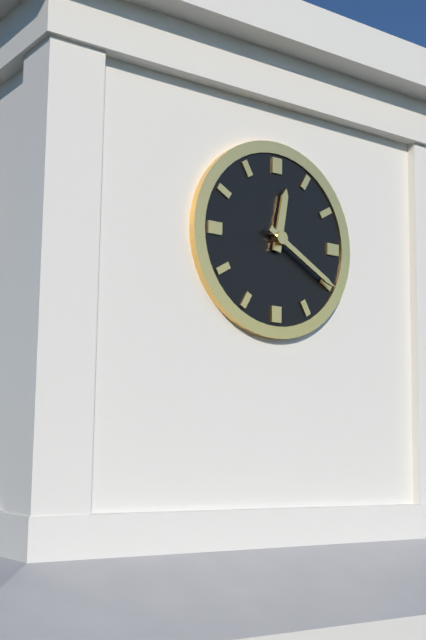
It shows 12h20
